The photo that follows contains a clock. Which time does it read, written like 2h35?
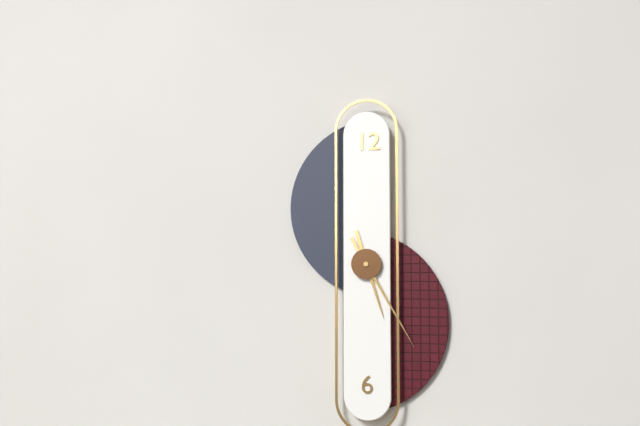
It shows 5h25
